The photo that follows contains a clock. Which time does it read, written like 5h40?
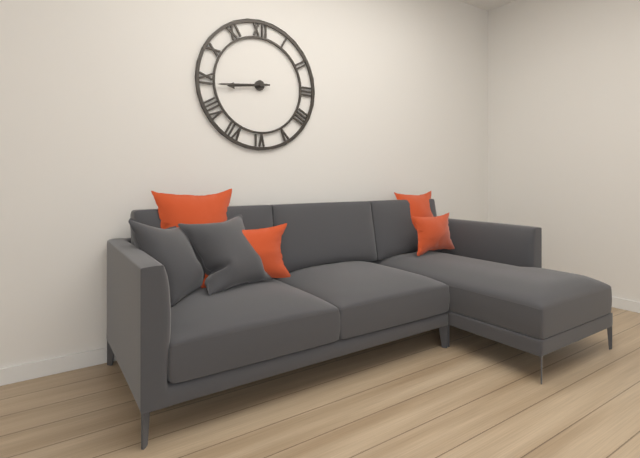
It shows 8h44
